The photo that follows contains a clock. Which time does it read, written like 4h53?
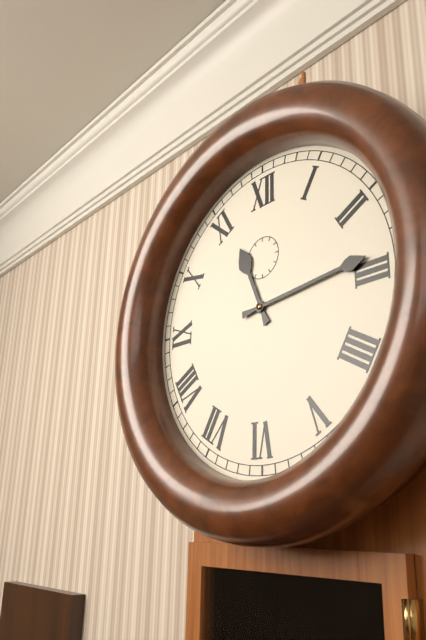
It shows 11h14
